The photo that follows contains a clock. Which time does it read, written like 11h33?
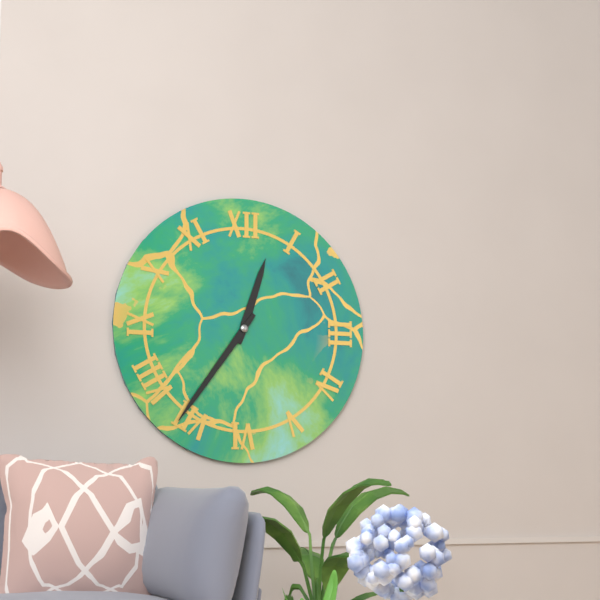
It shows 12h36
